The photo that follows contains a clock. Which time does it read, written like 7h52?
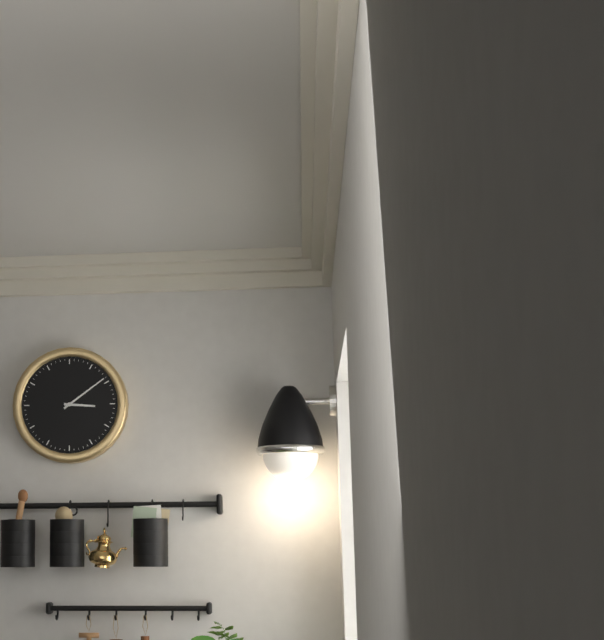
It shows 3h09
